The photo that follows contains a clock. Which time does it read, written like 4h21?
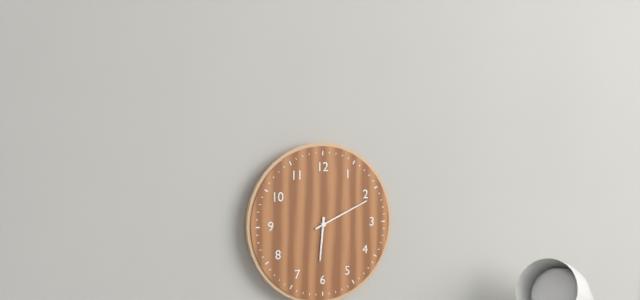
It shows 6h11
